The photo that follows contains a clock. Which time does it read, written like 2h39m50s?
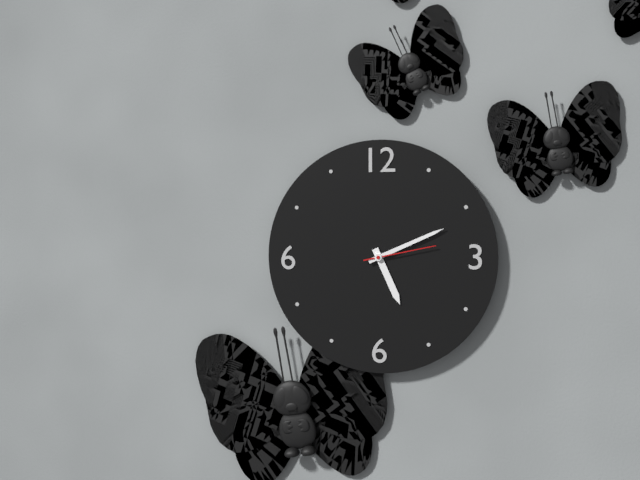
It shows 5h11m13s
